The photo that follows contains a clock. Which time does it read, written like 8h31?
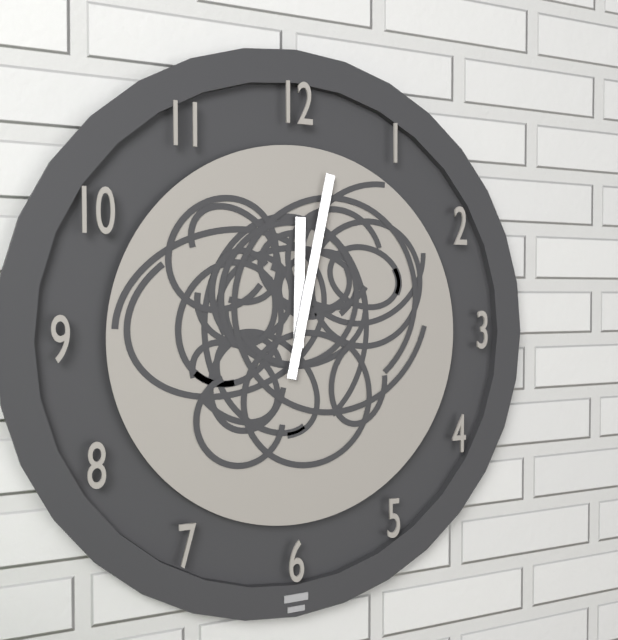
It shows 12h02
